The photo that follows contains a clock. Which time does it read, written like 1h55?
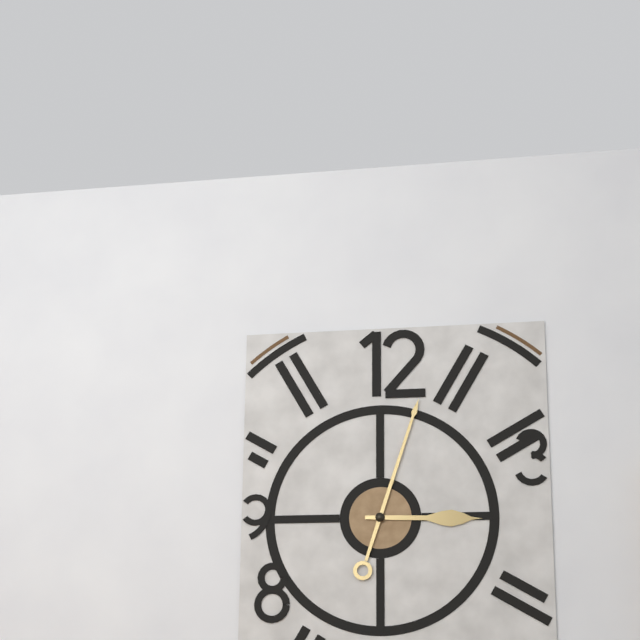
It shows 3h03
